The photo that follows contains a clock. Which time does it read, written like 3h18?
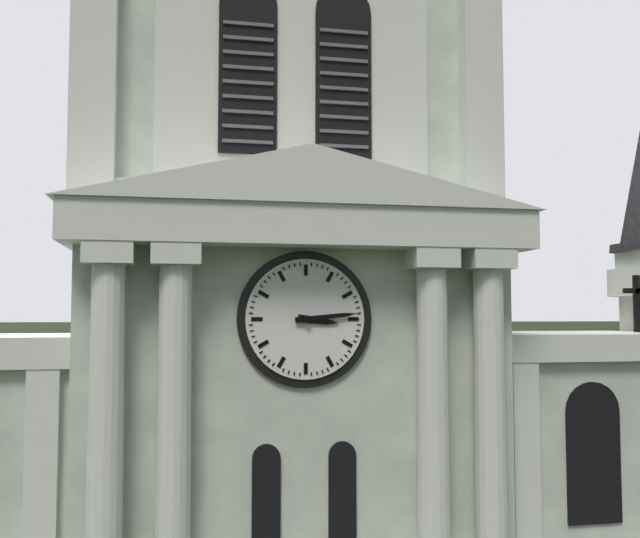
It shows 3h14
